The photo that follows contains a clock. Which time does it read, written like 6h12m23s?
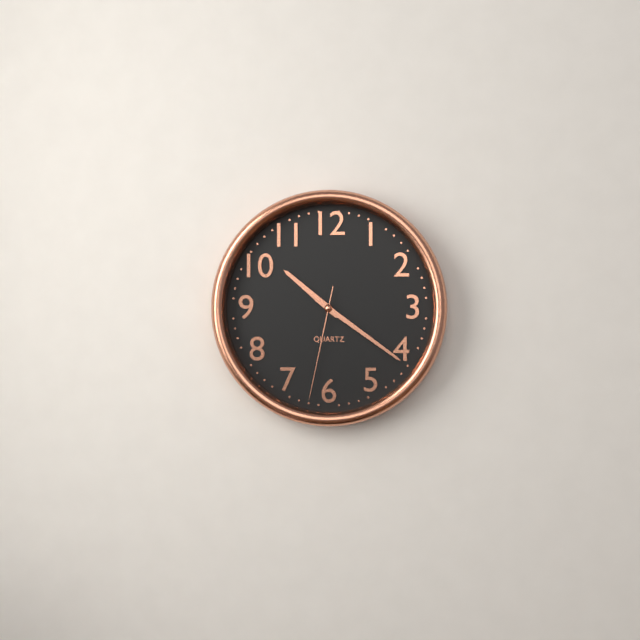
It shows 10h21m32s
